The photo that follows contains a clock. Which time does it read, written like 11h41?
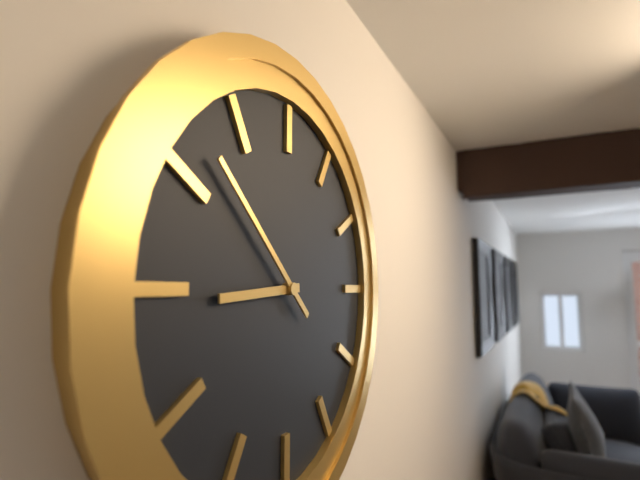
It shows 8h52
